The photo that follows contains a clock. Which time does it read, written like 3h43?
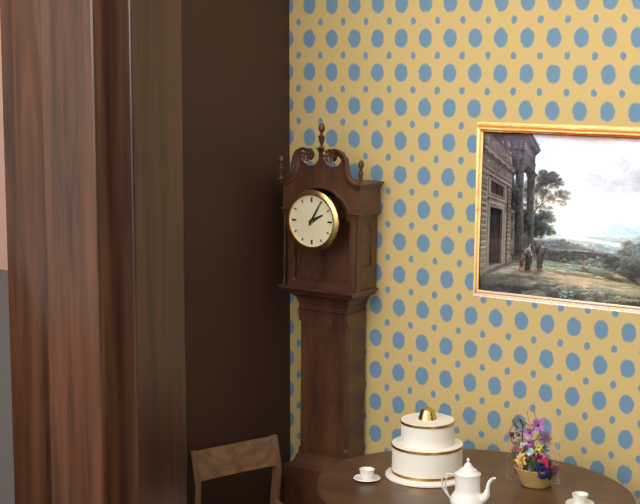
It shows 2h05
